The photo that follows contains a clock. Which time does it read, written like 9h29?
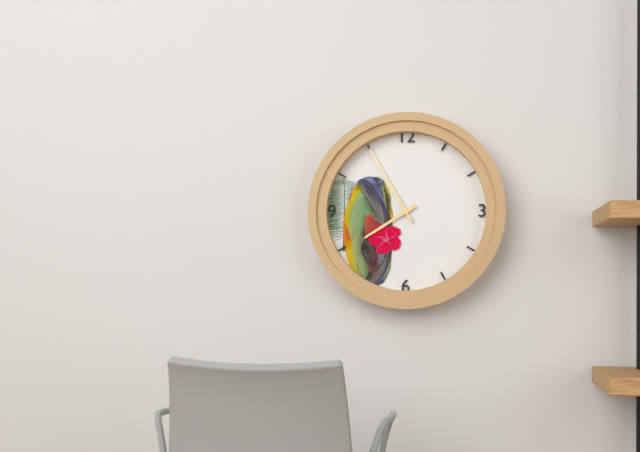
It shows 7h55
